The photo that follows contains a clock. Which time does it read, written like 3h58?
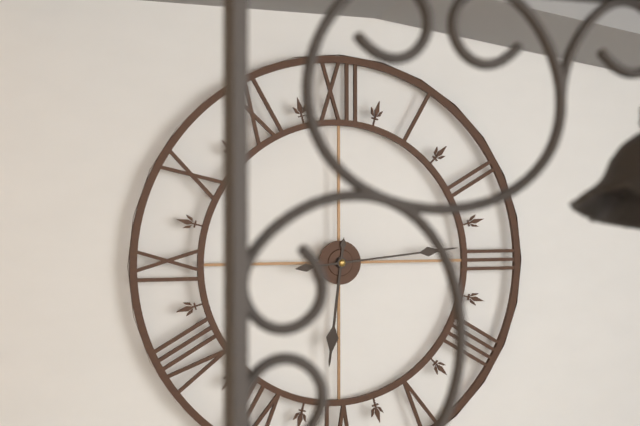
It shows 6h14
